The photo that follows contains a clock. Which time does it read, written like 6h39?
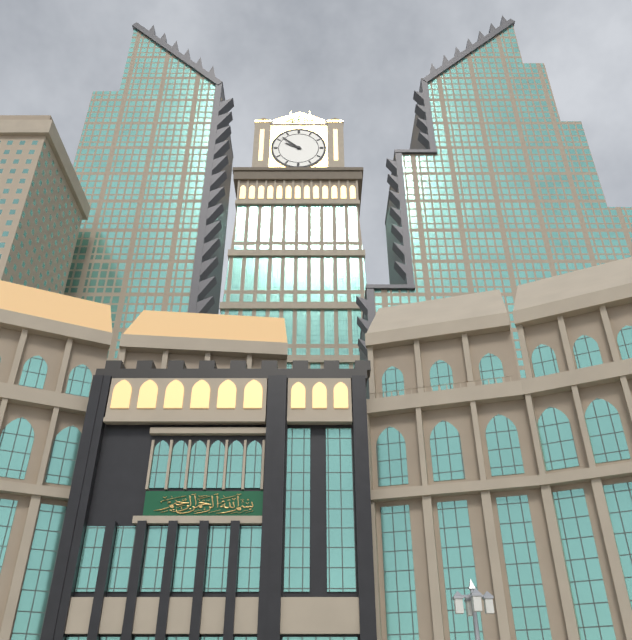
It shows 9h52
